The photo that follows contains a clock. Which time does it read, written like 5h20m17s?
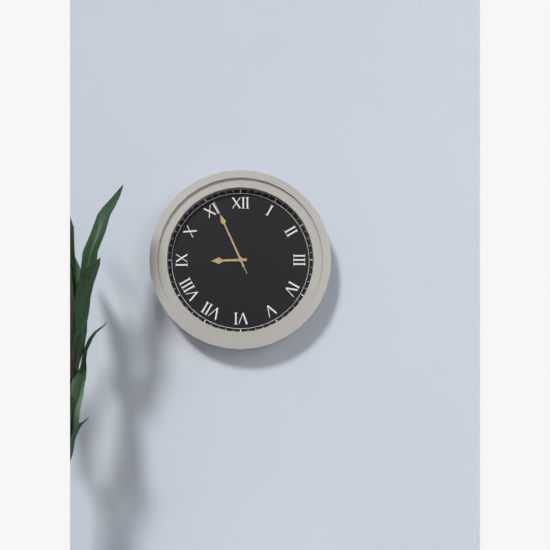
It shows 8h56m56s
